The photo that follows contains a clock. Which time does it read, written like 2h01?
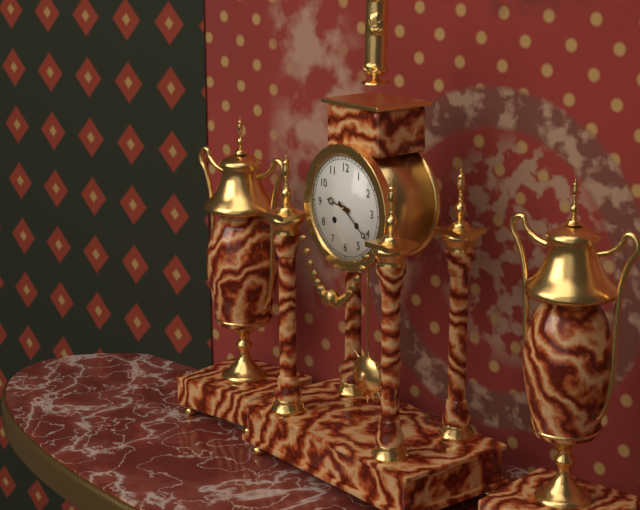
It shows 9h21
